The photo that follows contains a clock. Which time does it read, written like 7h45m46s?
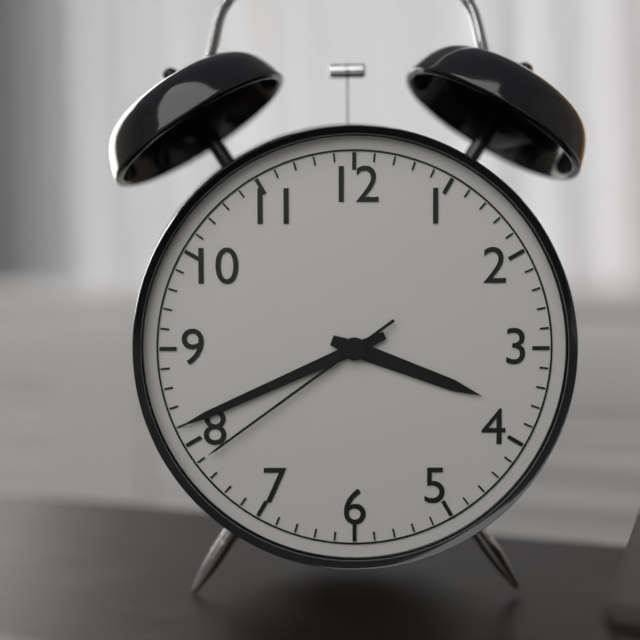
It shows 3h41m39s
